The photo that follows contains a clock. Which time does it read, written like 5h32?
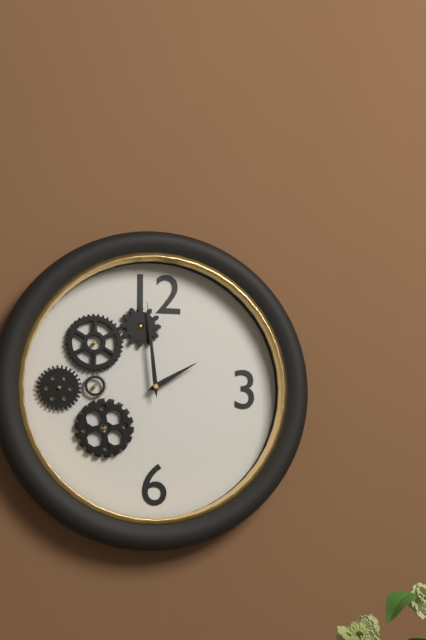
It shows 1h59
